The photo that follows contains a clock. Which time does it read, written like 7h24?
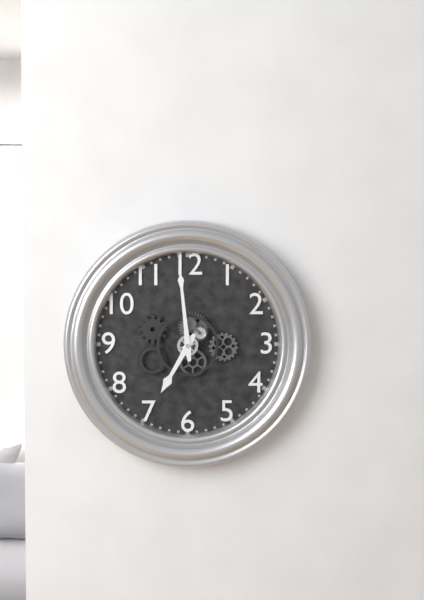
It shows 6h59
